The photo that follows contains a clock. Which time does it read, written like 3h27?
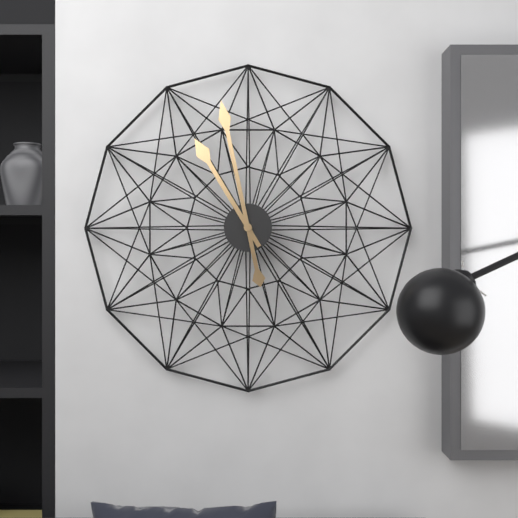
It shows 10h58
